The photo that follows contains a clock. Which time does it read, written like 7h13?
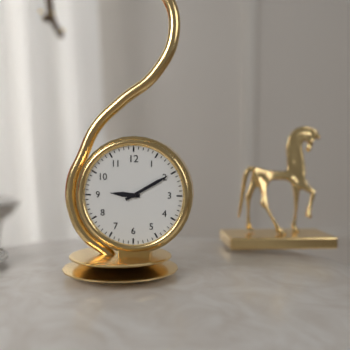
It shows 9h10
